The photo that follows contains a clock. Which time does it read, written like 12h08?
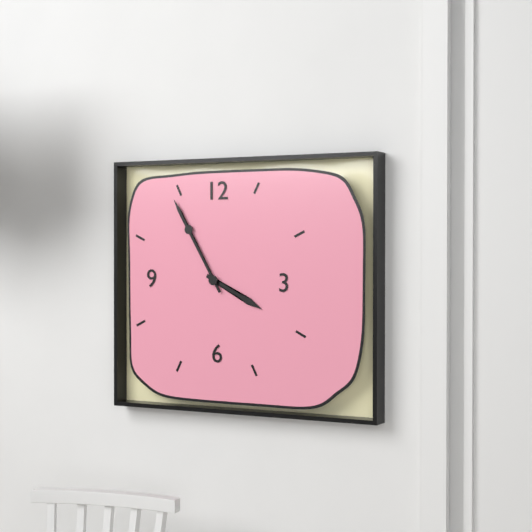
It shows 3h55
